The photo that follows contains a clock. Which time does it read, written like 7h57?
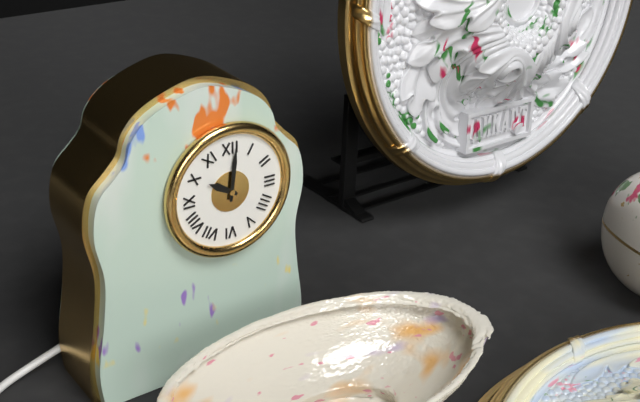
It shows 10h01
